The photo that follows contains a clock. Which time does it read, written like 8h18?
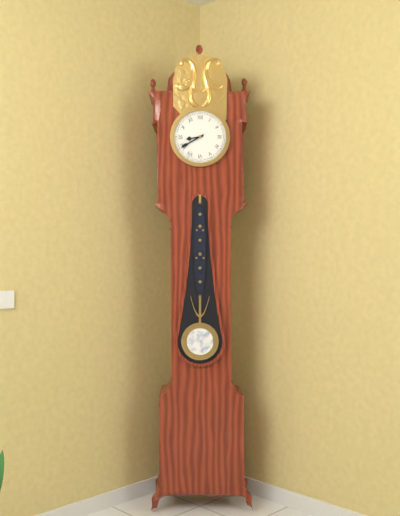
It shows 8h40
